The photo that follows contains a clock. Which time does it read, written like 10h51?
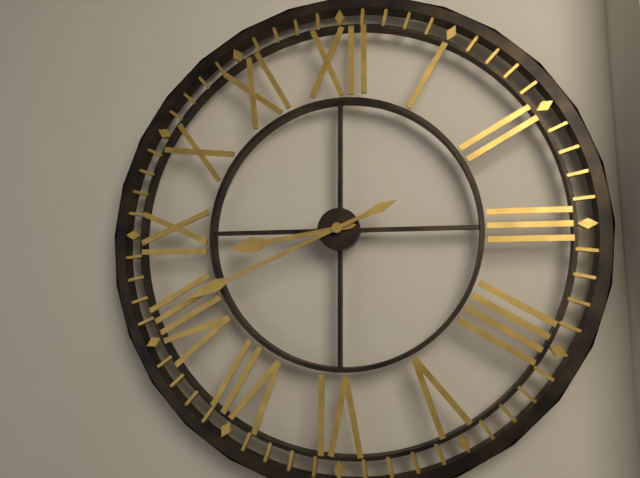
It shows 8h41
